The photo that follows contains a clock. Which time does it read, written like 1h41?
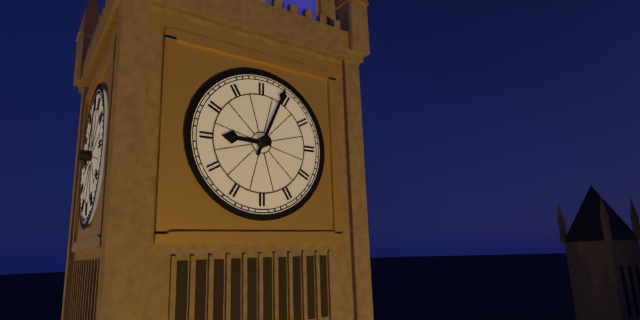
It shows 9h04
